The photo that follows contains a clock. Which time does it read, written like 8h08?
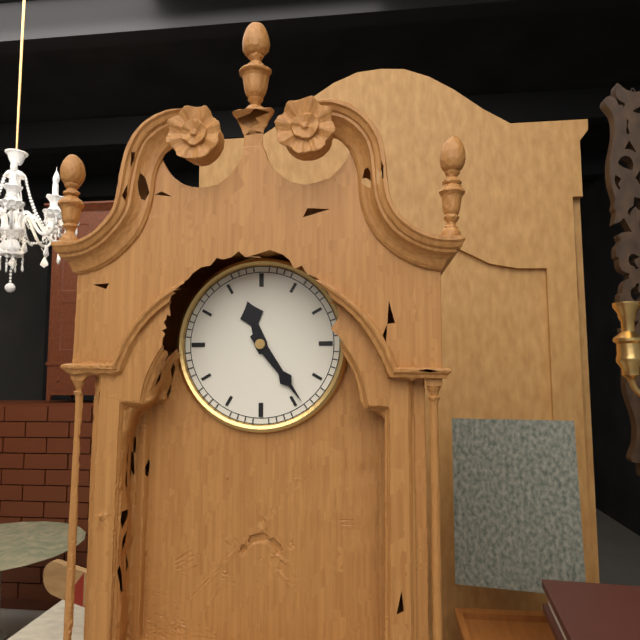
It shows 11h24
